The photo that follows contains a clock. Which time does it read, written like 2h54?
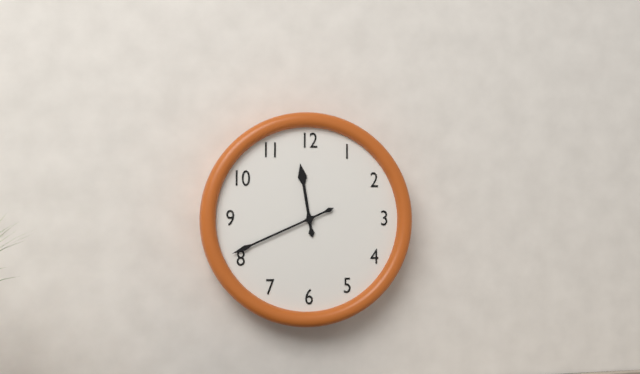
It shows 11h41
